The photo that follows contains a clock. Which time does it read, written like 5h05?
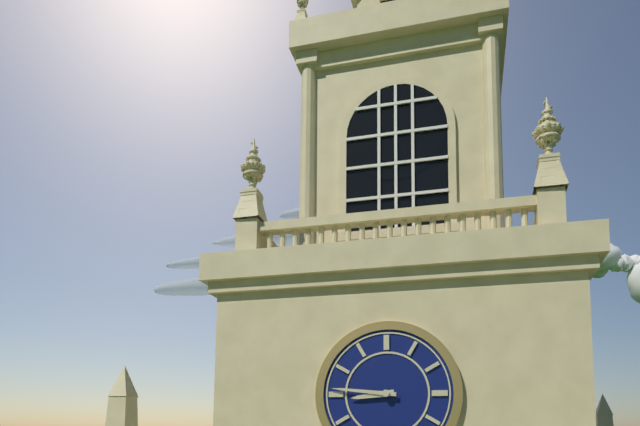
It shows 8h46
